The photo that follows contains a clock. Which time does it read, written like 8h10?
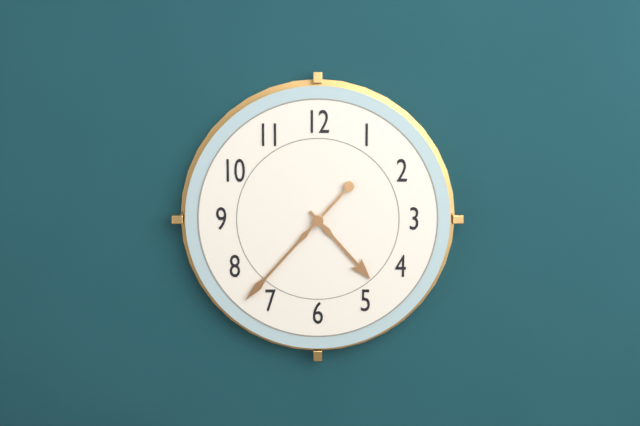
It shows 4h37
